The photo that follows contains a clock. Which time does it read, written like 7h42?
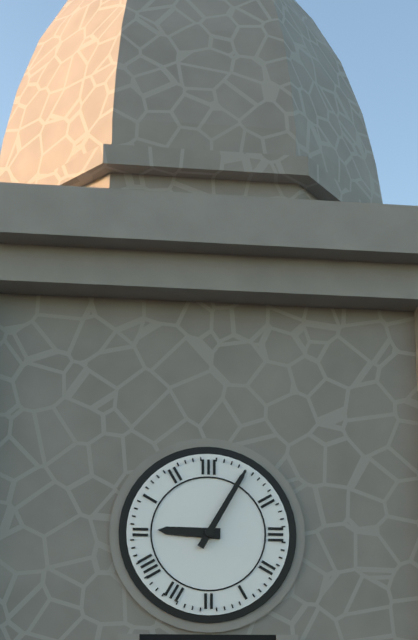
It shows 9h05
